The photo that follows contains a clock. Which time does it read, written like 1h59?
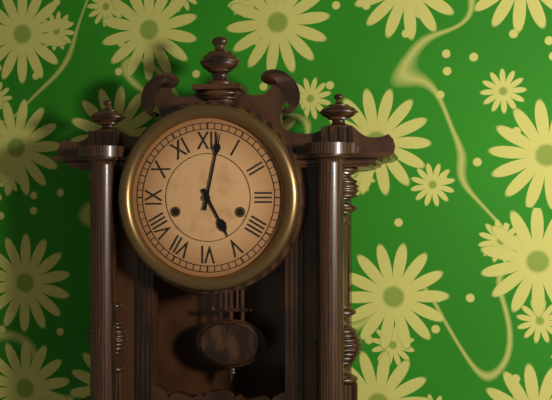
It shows 5h02
